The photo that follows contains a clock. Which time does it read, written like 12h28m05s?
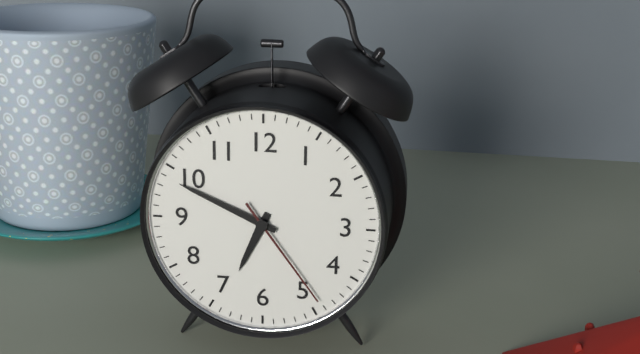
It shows 6h49m24s
